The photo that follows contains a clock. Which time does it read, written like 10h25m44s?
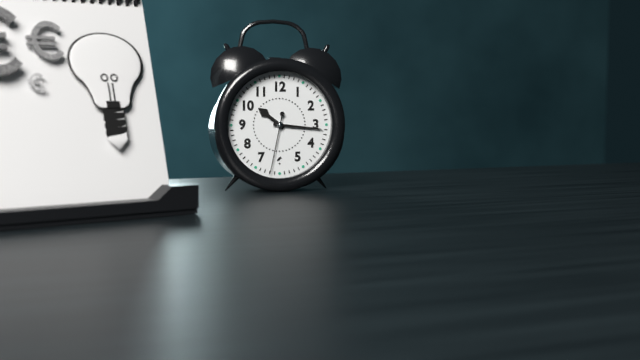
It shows 10h16m32s
